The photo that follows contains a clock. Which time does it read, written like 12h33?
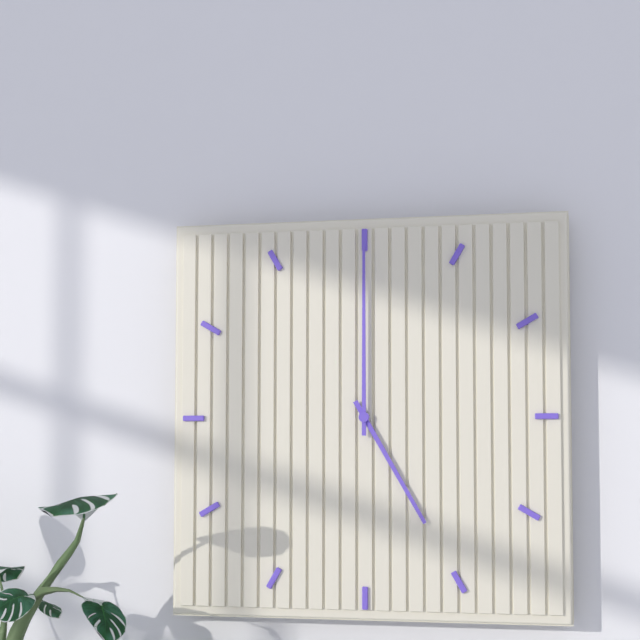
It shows 5h00
